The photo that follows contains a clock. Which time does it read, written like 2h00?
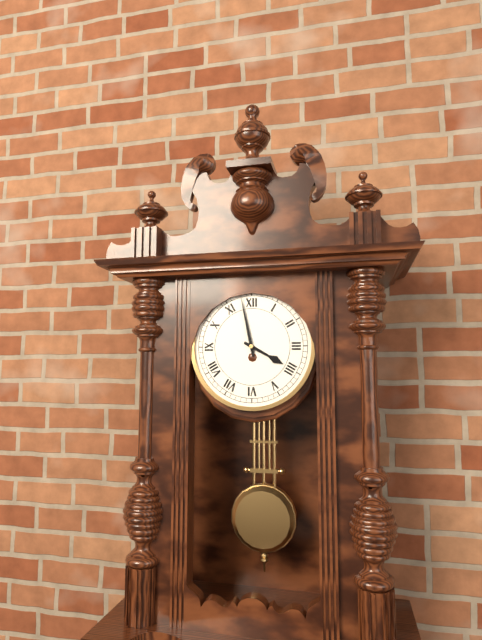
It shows 3h58
